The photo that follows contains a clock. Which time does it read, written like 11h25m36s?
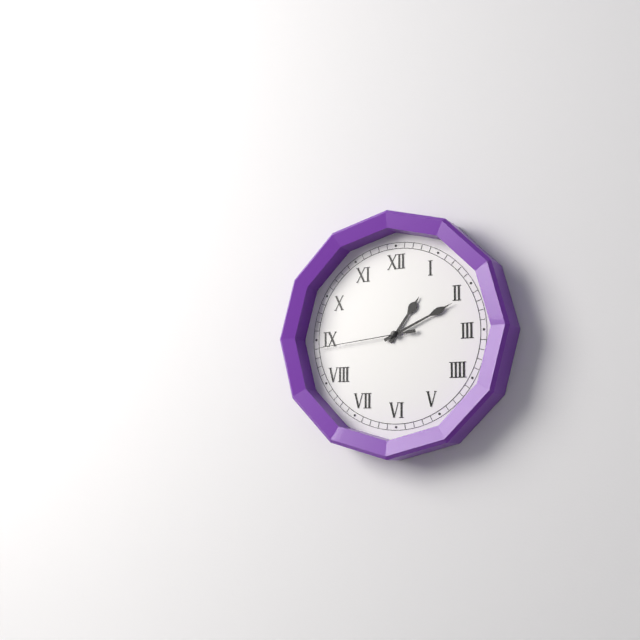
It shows 1h11m44s
